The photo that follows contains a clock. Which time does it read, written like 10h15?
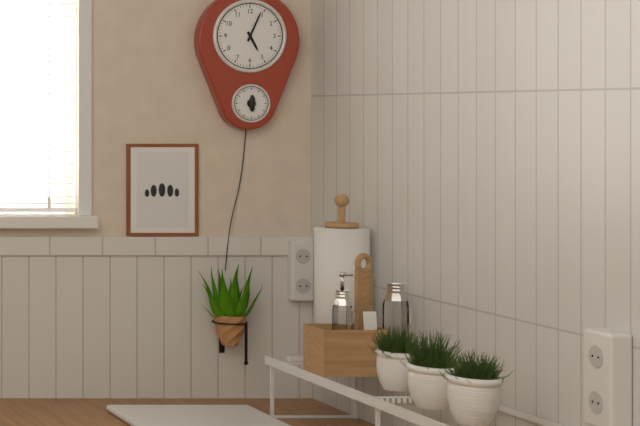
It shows 5h04
